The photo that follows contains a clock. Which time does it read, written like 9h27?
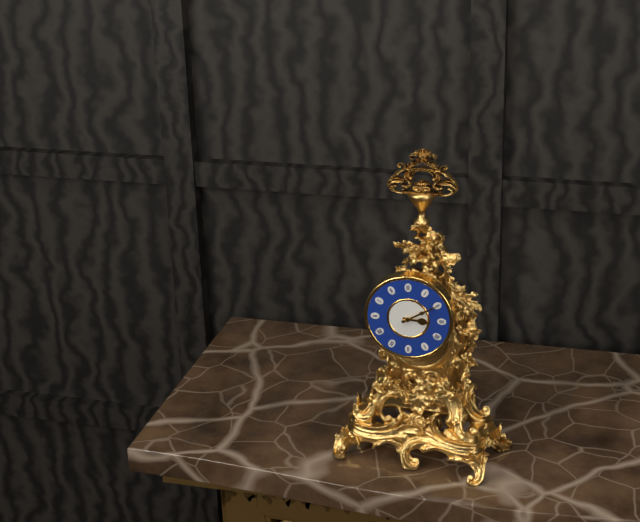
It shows 3h10
